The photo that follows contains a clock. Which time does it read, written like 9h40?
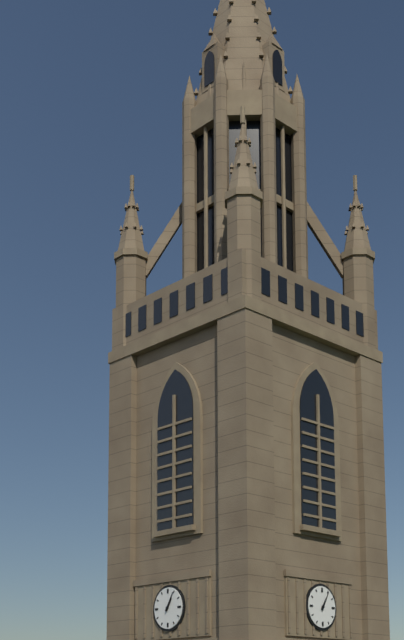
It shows 1h05
